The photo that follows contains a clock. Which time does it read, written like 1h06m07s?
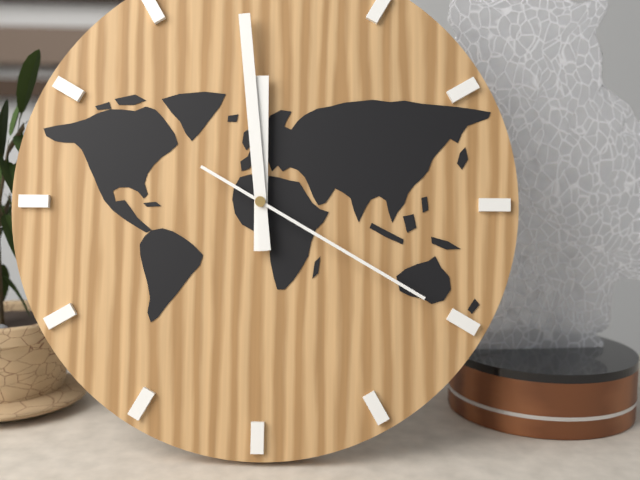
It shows 11h59m20s
